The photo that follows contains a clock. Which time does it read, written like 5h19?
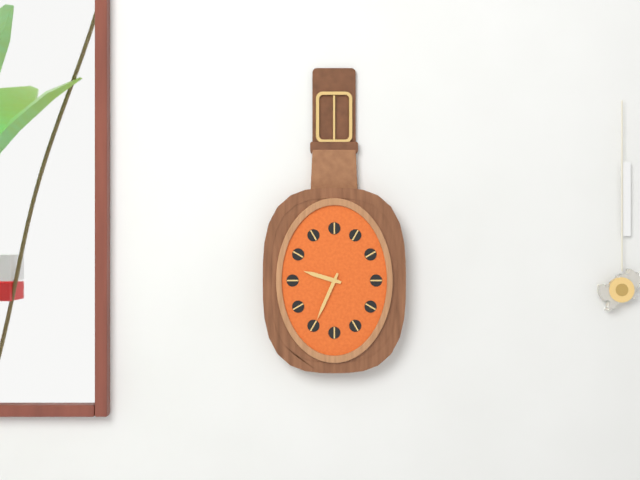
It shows 9h34
